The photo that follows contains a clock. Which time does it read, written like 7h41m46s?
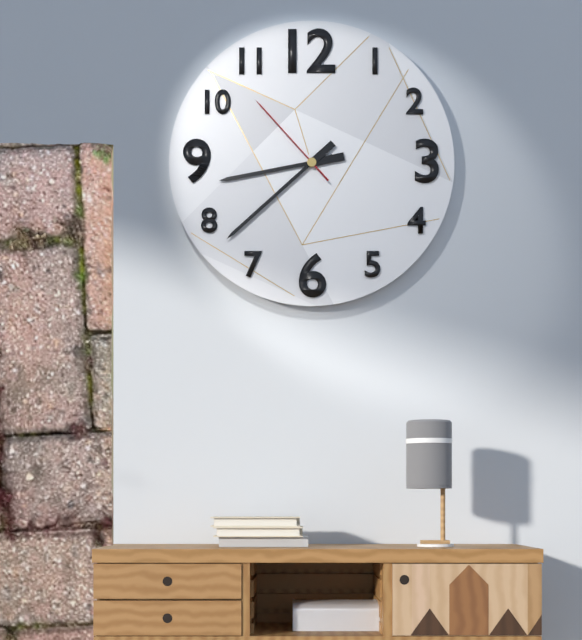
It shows 8h38m53s
